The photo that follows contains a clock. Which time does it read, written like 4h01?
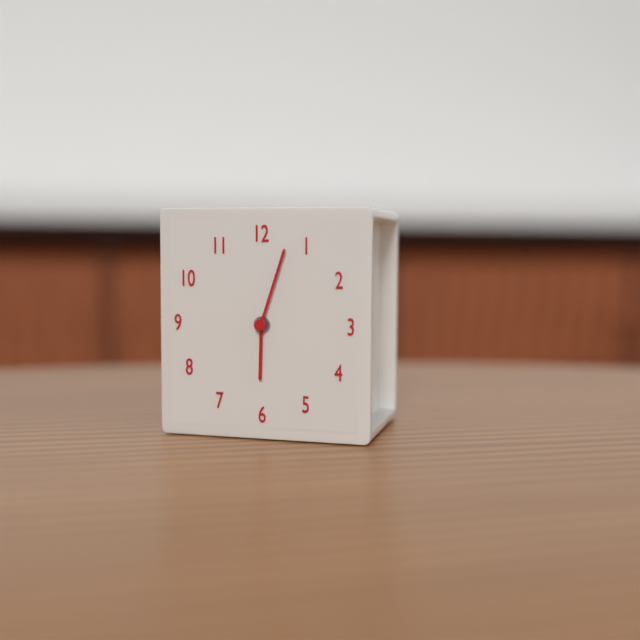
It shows 6h03
